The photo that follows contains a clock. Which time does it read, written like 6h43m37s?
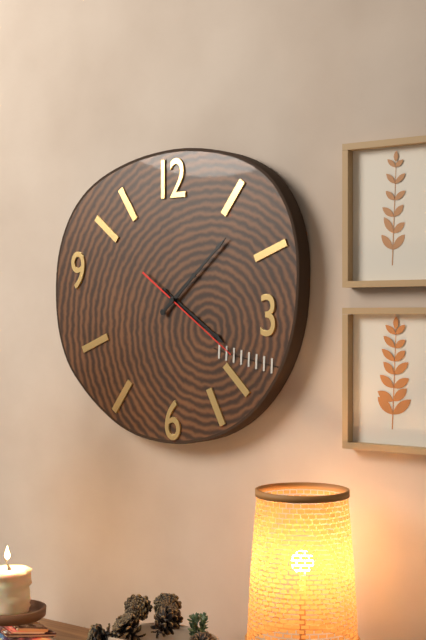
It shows 4h08m21s
